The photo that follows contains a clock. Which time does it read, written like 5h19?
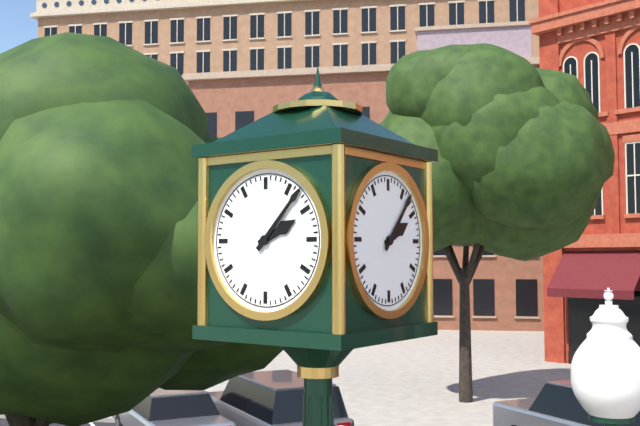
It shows 2h07
